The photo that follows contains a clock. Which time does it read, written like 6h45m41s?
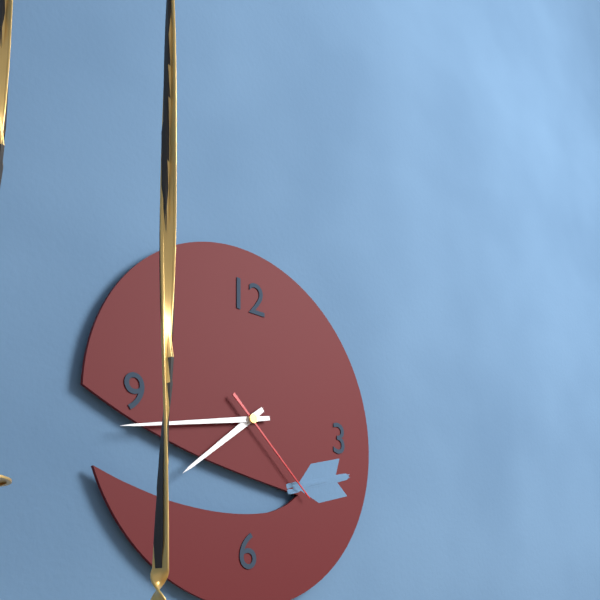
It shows 7h43m22s
